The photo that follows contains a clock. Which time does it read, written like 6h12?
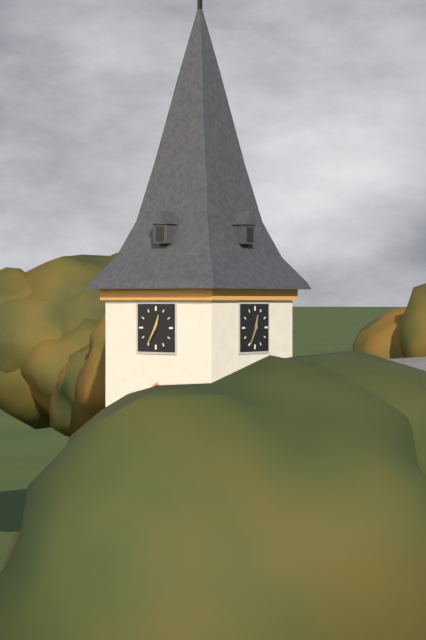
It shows 12h35
